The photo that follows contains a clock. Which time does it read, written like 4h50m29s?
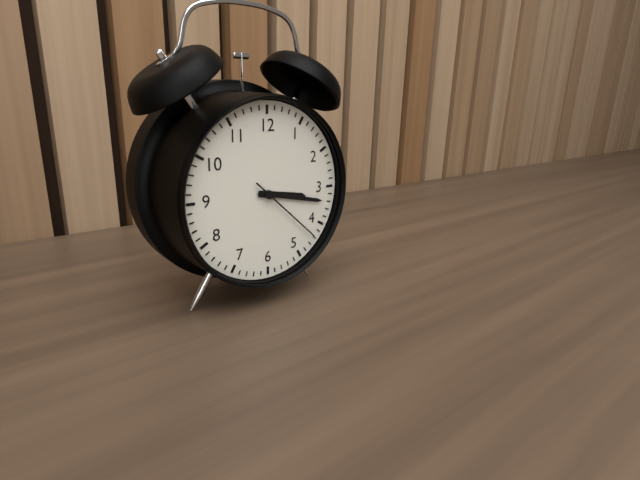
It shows 3h17m22s
